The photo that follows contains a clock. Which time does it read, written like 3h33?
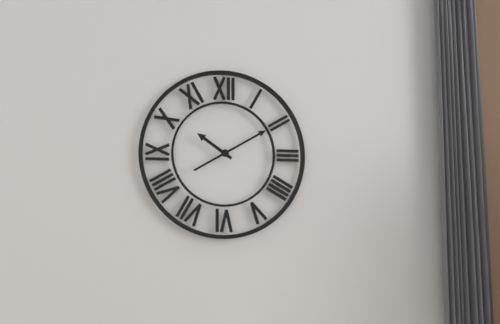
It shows 10h10
